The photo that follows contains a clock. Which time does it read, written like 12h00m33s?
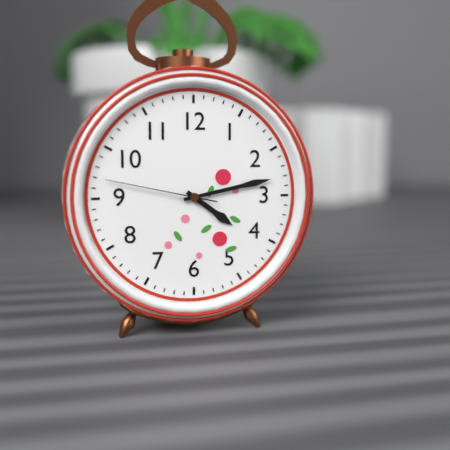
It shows 4h13m47s
